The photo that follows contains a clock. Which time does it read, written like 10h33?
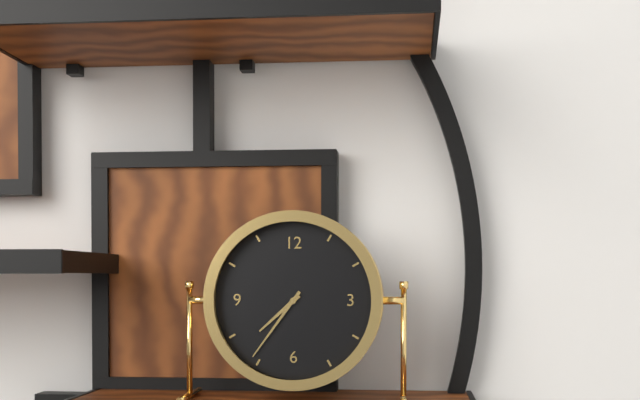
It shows 7h36
